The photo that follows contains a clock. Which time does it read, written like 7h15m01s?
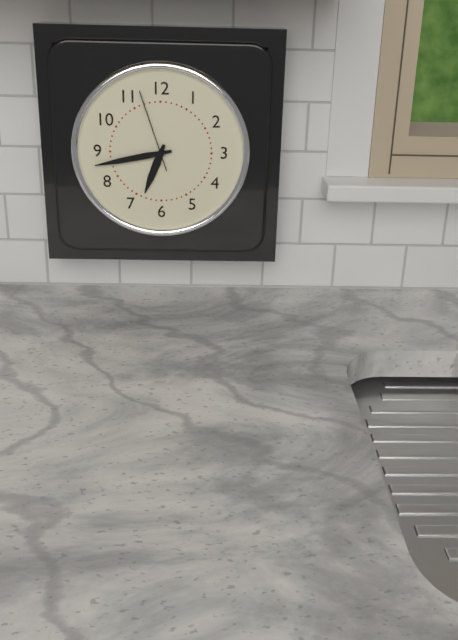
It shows 6h43m57s
